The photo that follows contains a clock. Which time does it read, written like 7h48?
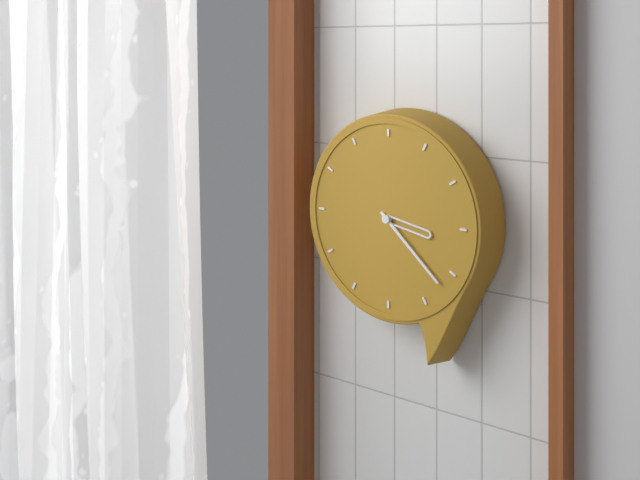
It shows 3h22
